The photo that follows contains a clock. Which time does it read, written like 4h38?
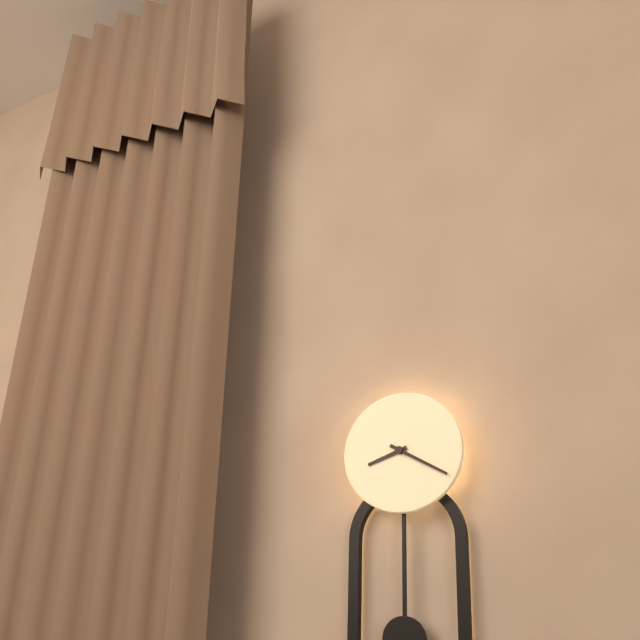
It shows 8h20
